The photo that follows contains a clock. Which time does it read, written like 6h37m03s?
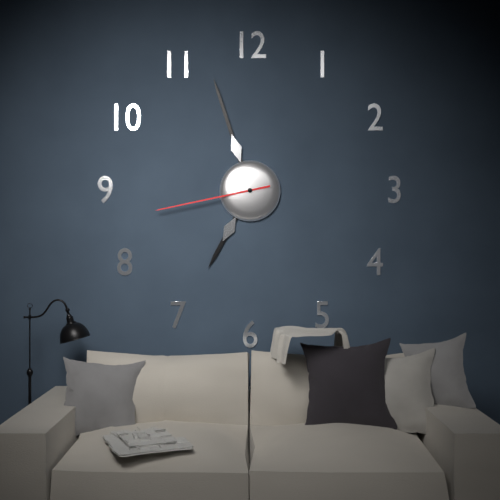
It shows 6h57m43s
